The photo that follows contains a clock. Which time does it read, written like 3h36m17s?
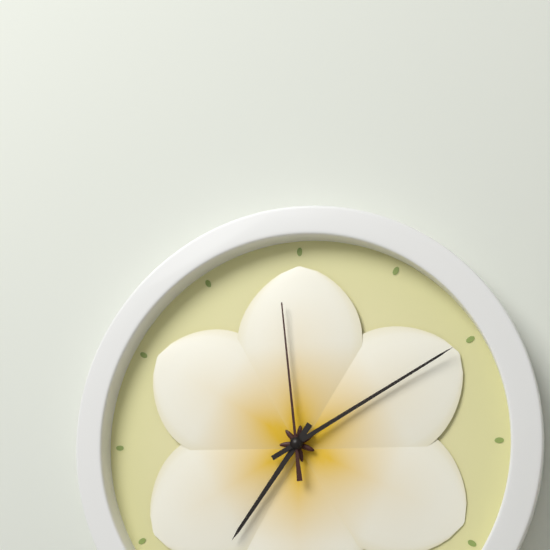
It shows 7h10m59s
